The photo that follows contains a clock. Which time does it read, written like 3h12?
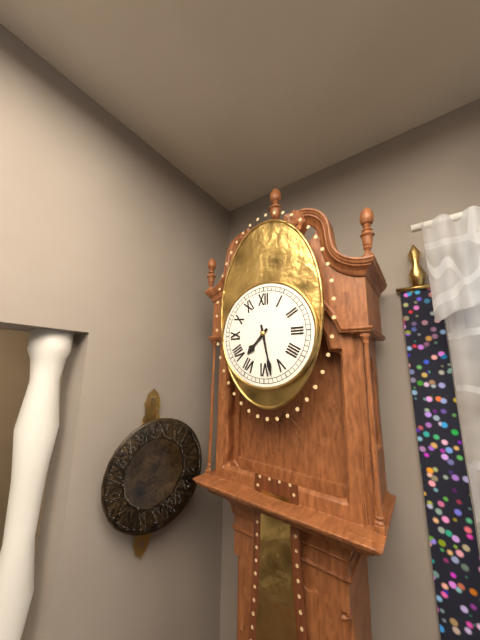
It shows 7h28
